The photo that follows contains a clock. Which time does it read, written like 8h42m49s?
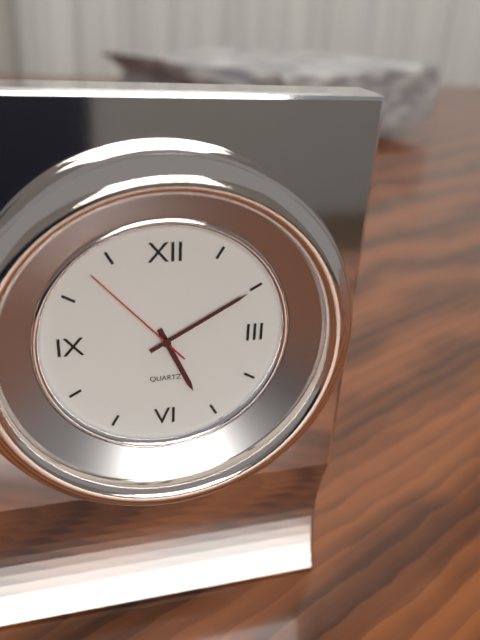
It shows 5h10m53s
